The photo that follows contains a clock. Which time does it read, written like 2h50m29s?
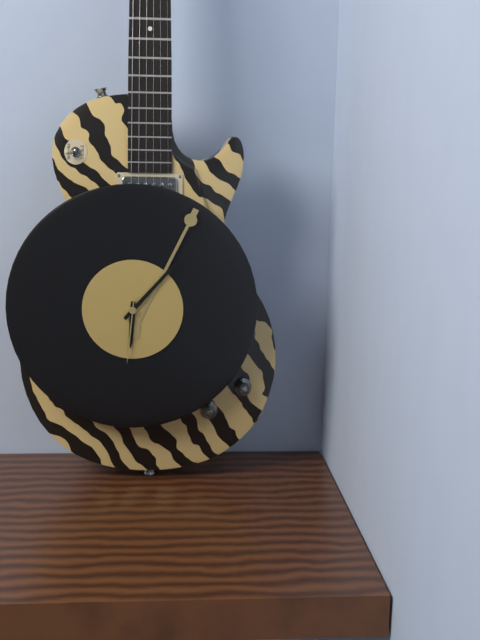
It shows 6h07m31s
